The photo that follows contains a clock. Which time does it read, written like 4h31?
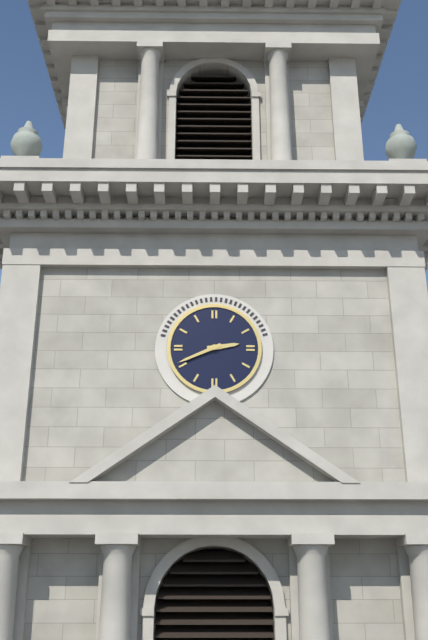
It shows 2h41
